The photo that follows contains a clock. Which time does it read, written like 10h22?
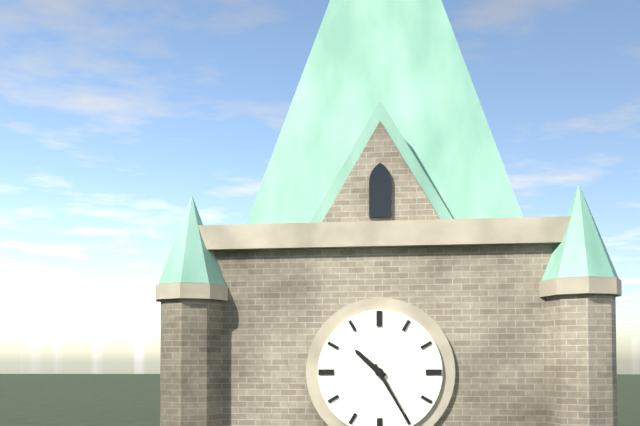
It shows 10h25
